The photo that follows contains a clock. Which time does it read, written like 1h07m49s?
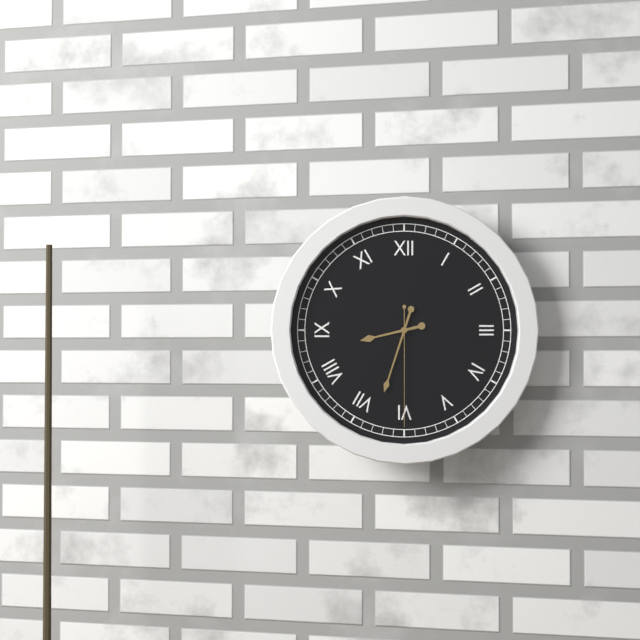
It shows 8h33m30s
